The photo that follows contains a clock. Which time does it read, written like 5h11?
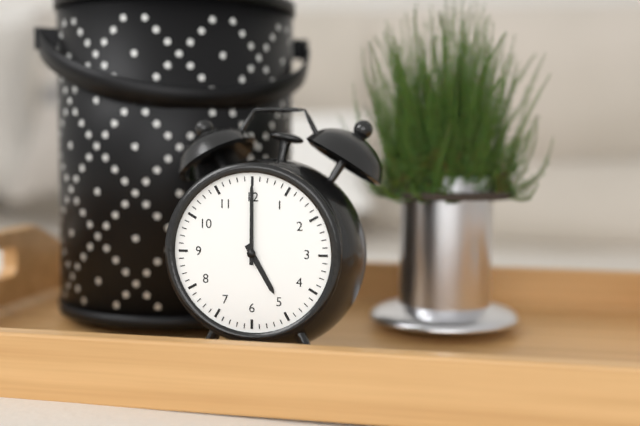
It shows 5h00
